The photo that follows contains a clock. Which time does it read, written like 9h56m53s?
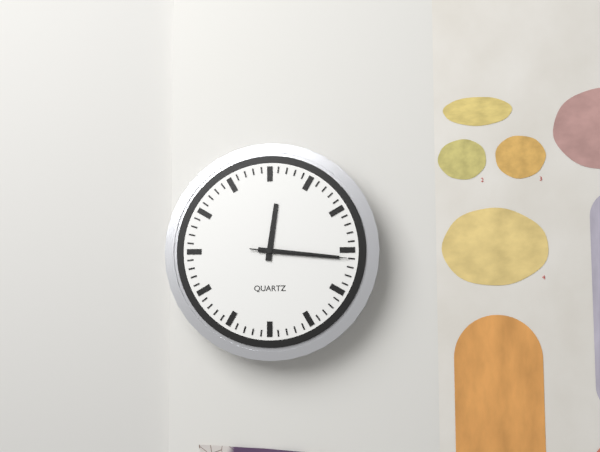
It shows 12h16m16s
